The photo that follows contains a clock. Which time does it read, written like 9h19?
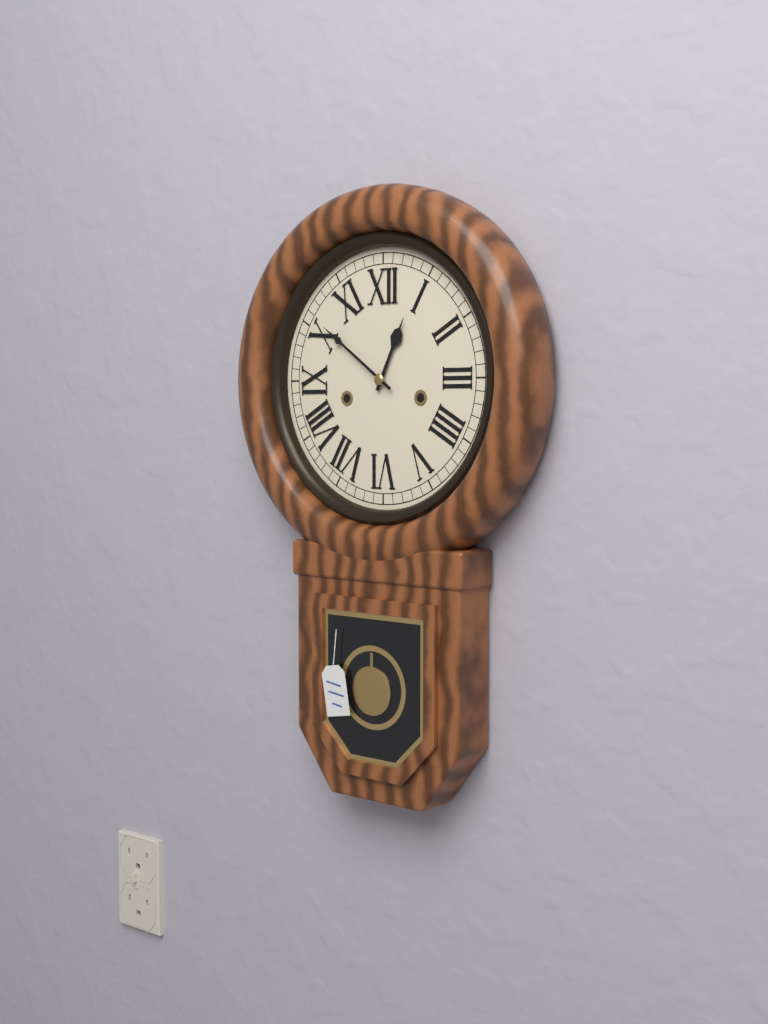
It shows 12h51
